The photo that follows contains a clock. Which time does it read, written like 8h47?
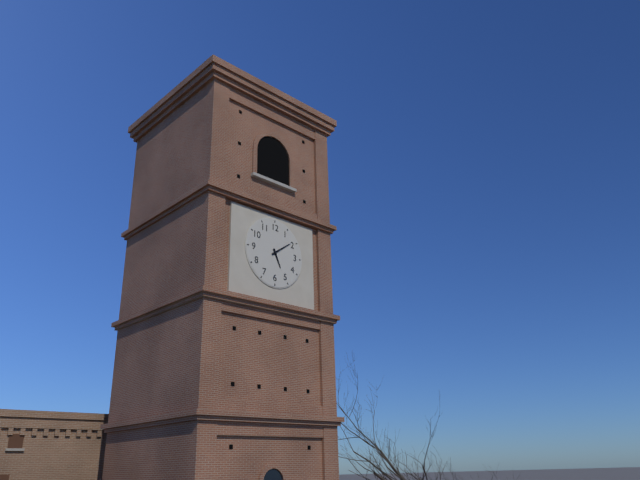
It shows 5h09
